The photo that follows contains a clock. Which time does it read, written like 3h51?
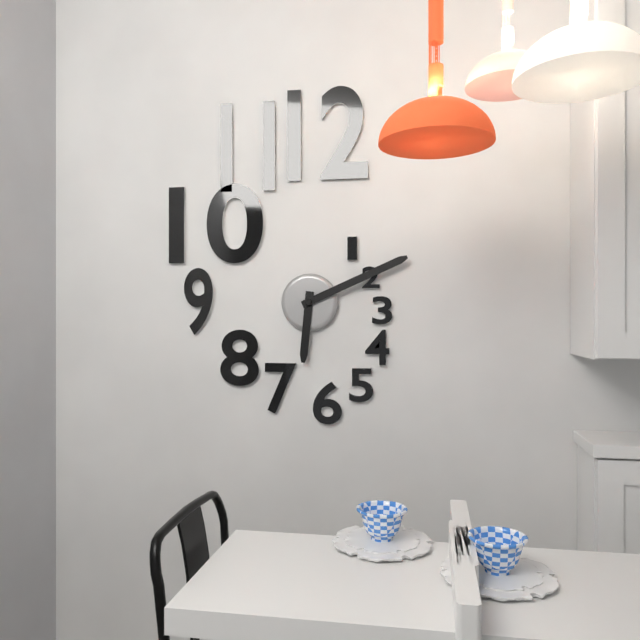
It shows 6h11
